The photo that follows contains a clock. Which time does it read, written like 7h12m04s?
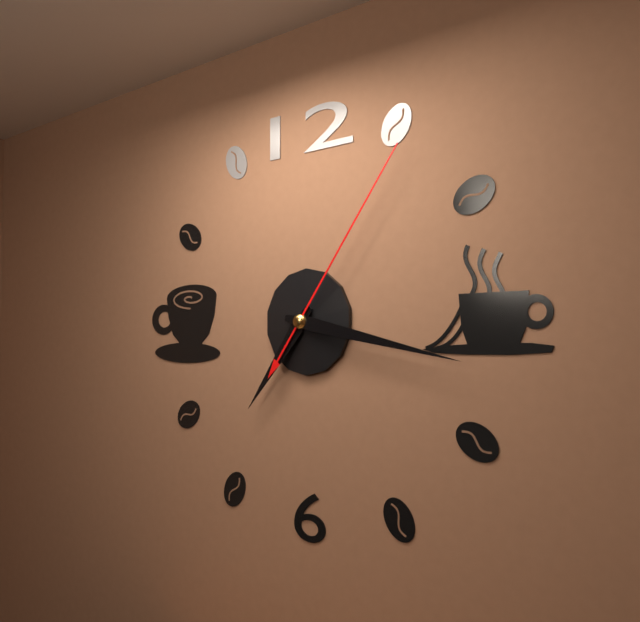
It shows 7h17m06s
